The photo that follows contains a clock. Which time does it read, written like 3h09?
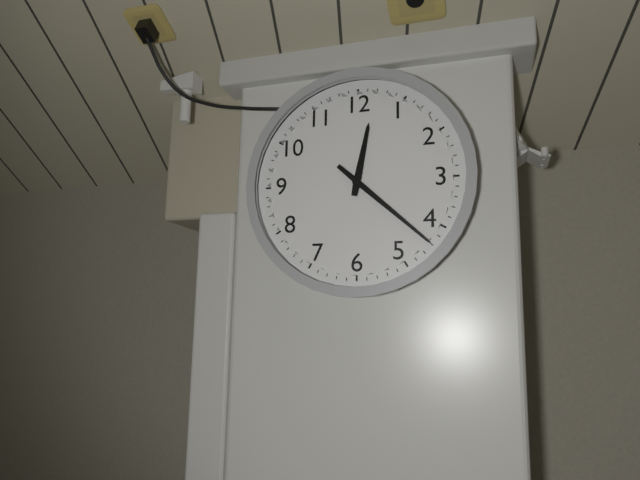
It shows 12h22
